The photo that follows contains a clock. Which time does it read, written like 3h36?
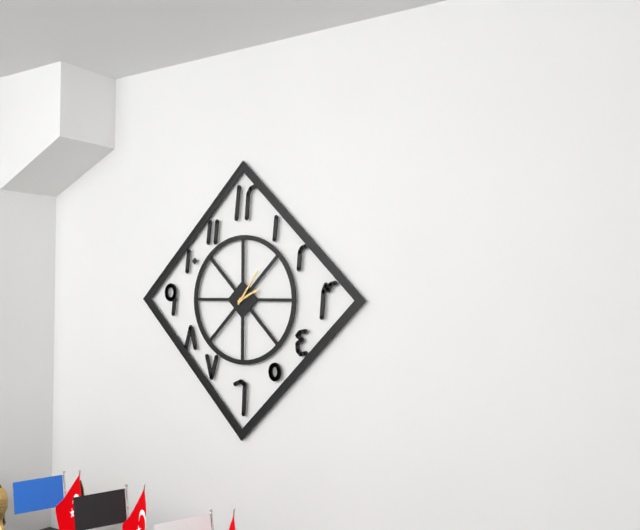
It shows 2h06
